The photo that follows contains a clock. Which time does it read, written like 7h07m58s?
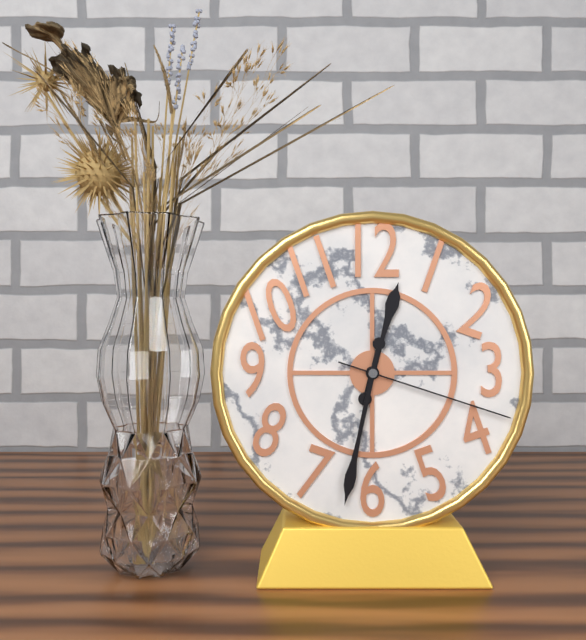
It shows 12h32m18s
